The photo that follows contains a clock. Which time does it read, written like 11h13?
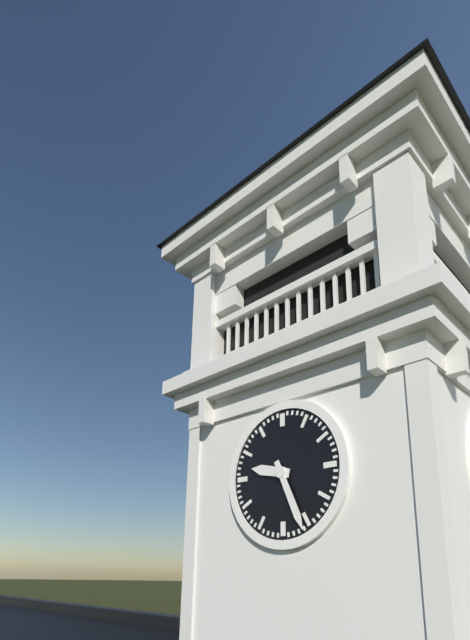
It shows 9h26
